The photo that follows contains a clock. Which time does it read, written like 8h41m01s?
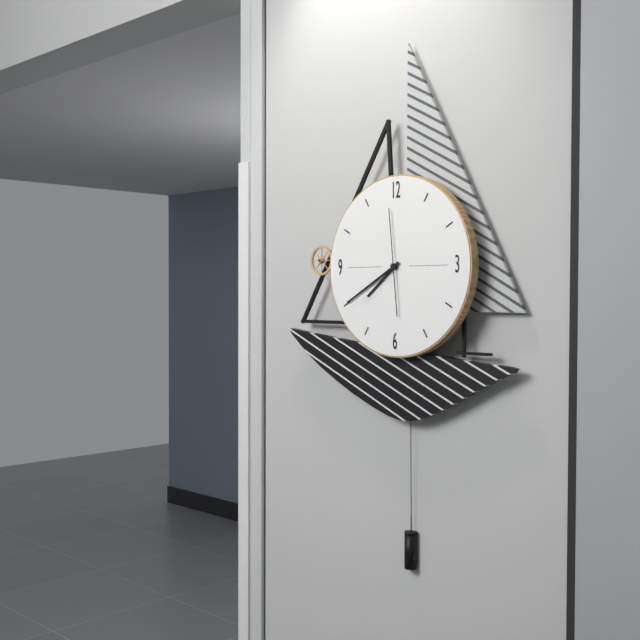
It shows 7h40m59s
